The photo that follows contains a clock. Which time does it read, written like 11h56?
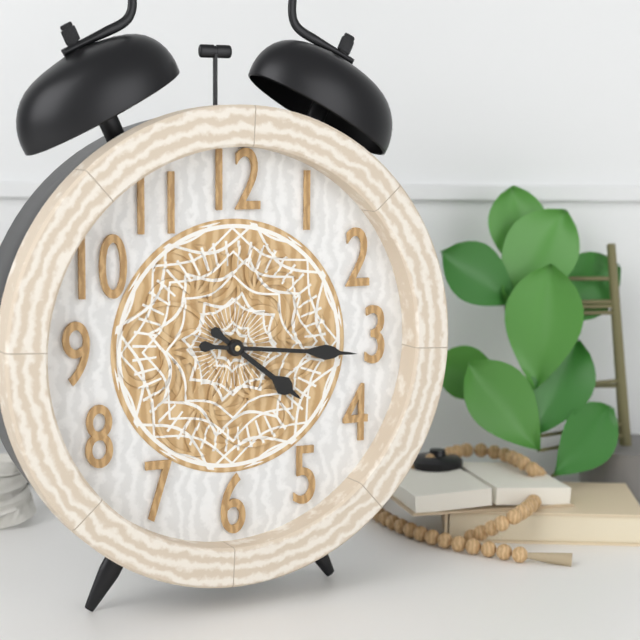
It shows 4h16
